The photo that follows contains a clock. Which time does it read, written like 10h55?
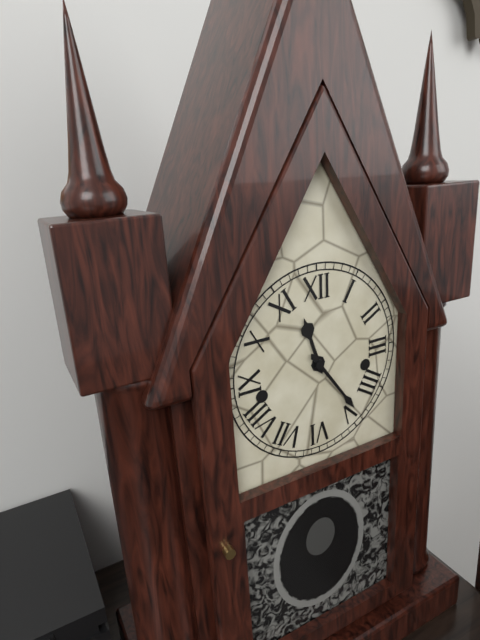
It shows 11h24
